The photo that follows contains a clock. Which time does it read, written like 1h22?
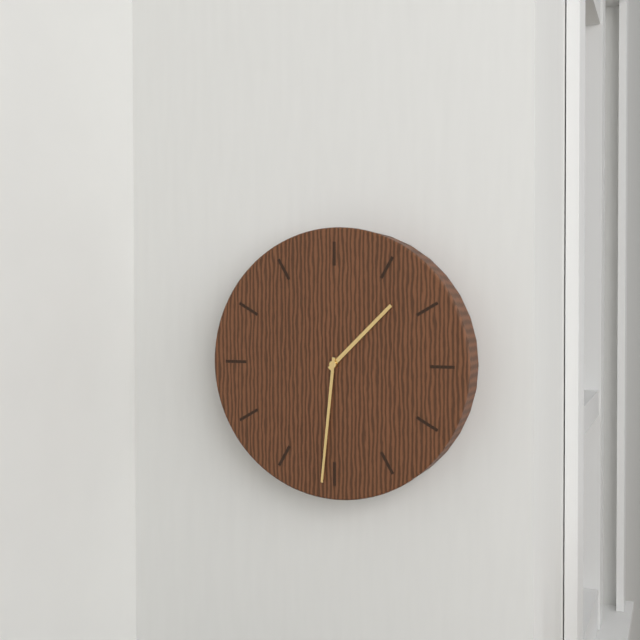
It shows 1h31
